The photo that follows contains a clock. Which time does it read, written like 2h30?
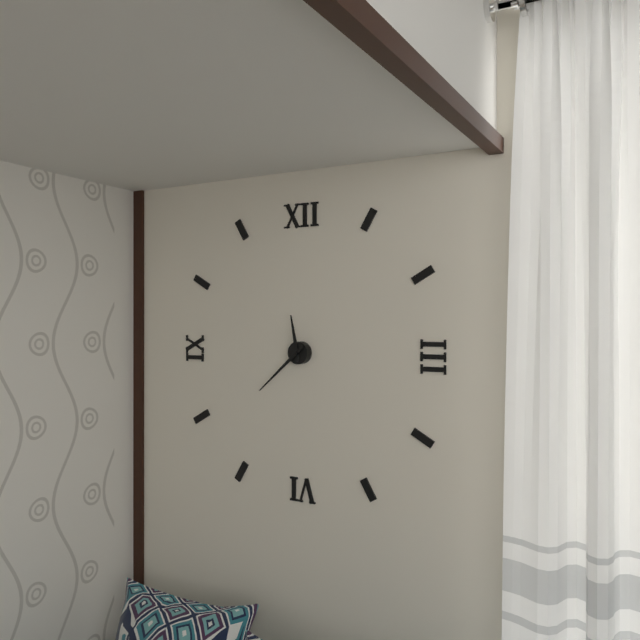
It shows 11h38
